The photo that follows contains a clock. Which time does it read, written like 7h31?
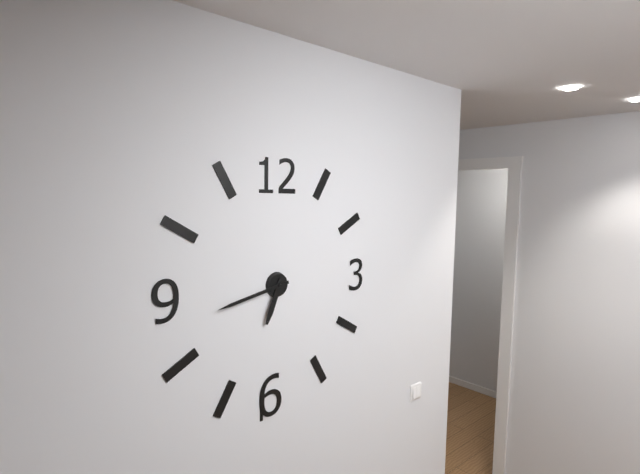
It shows 6h43
